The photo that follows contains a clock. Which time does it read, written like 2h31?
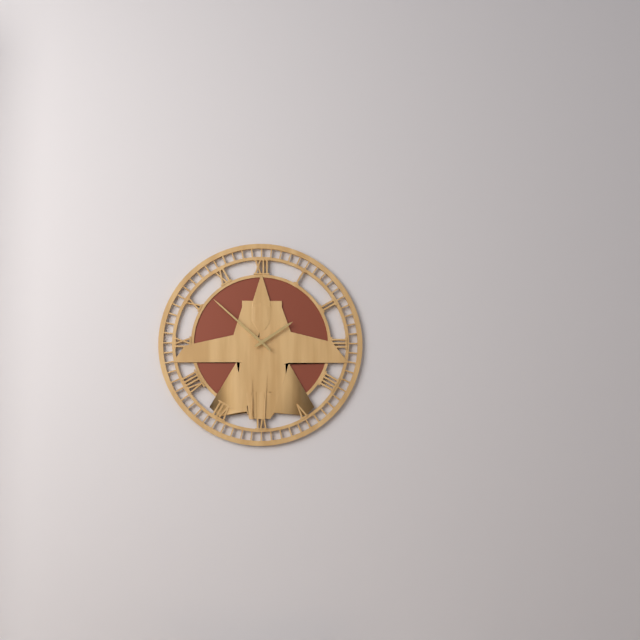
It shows 1h52
